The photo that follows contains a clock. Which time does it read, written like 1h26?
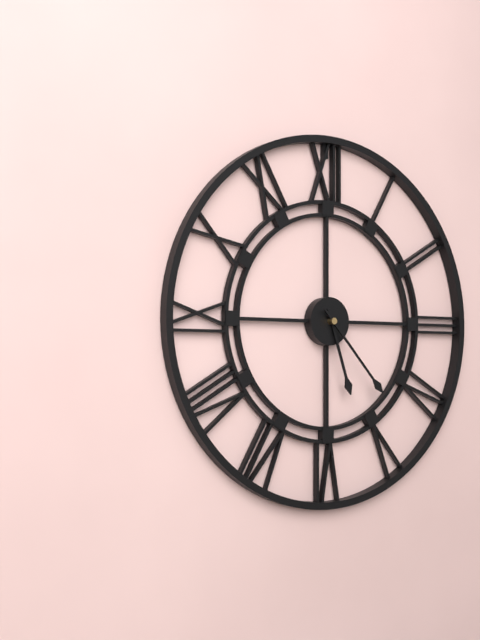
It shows 5h23
